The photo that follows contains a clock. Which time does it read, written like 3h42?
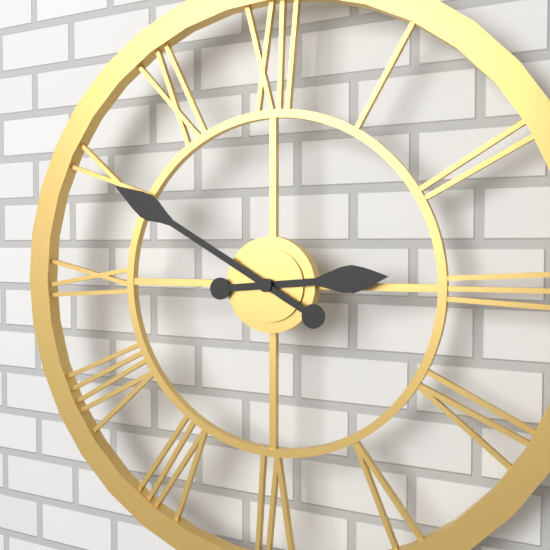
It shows 2h50
